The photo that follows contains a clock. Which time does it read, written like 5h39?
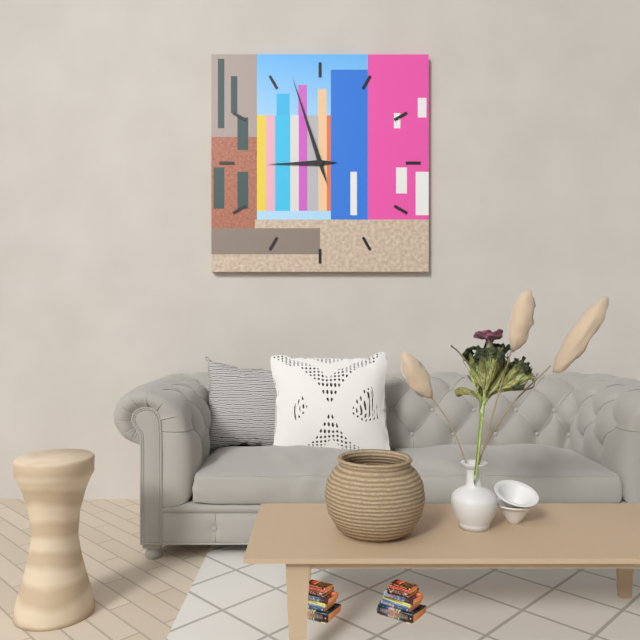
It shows 8h57
